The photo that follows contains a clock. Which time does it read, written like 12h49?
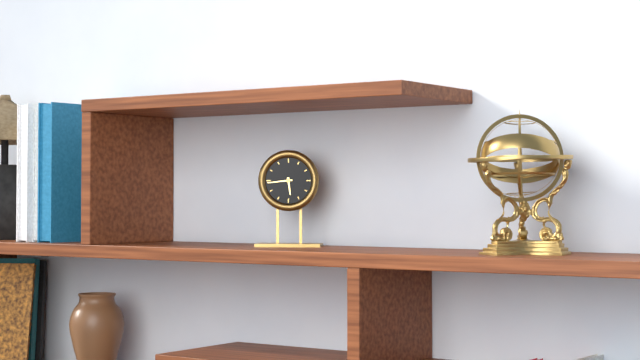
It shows 5h44
